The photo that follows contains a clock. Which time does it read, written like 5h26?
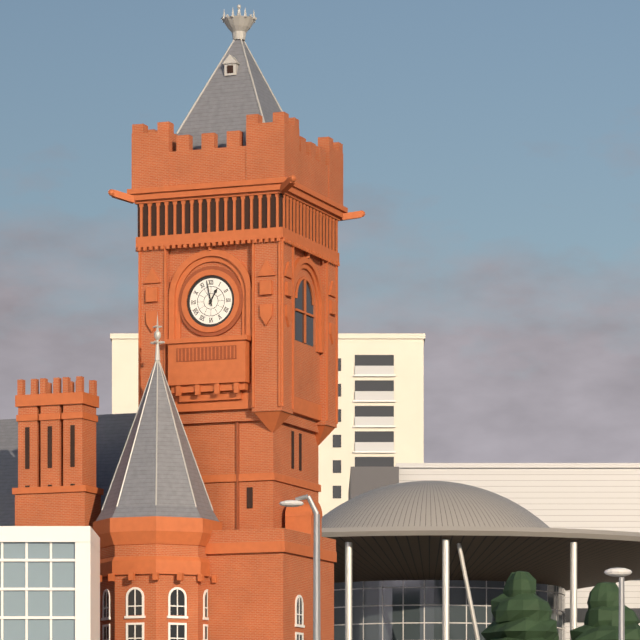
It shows 12h58
